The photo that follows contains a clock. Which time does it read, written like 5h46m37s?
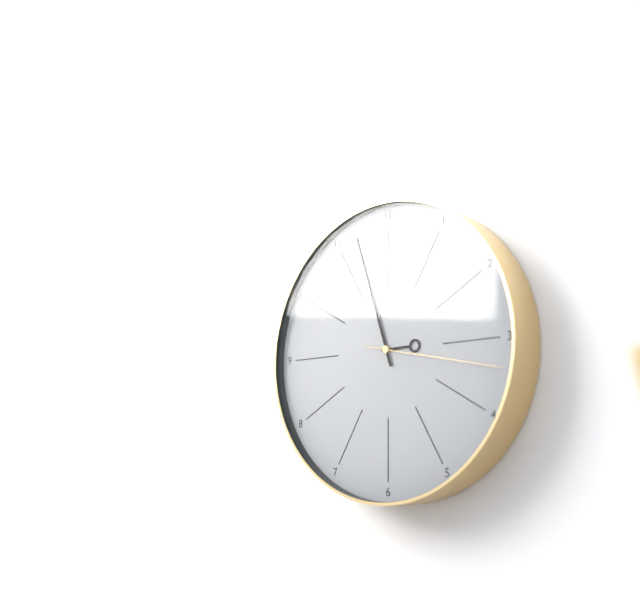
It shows 2h57m17s
